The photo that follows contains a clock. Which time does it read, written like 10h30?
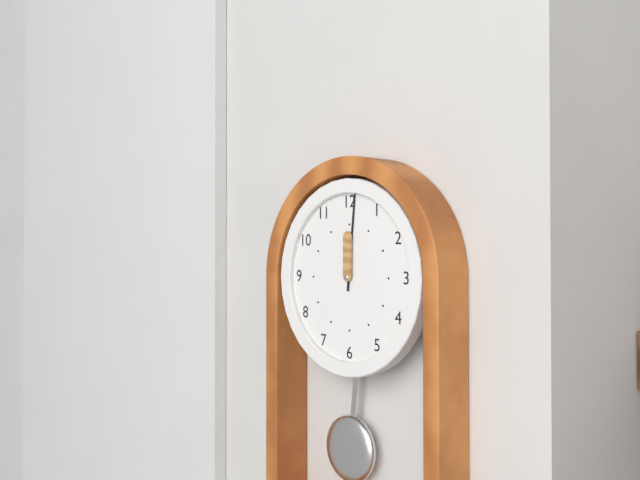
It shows 12h01
